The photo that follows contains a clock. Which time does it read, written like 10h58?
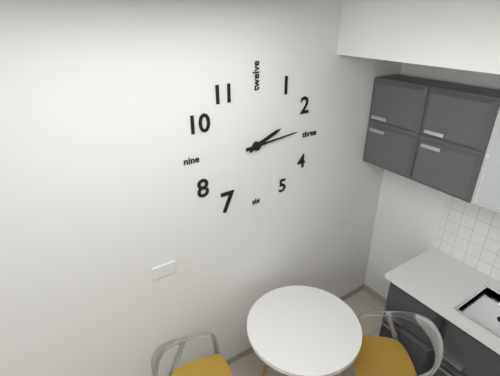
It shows 2h14
